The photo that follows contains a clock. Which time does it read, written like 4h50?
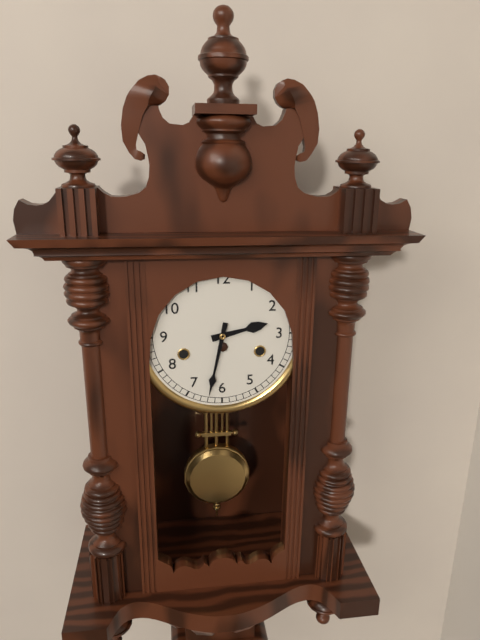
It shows 2h32
